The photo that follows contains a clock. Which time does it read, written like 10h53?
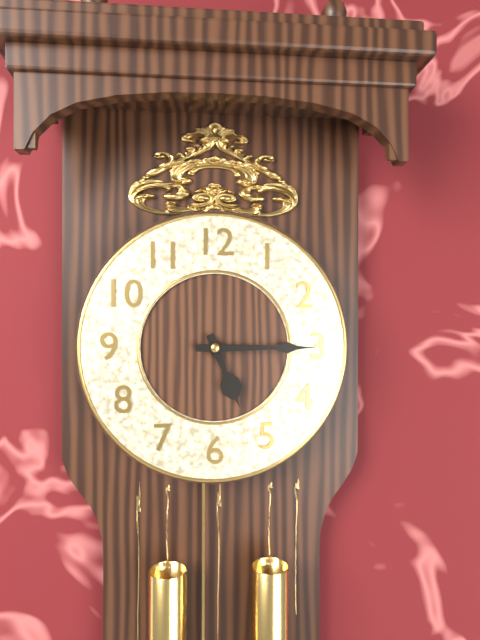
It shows 5h15
